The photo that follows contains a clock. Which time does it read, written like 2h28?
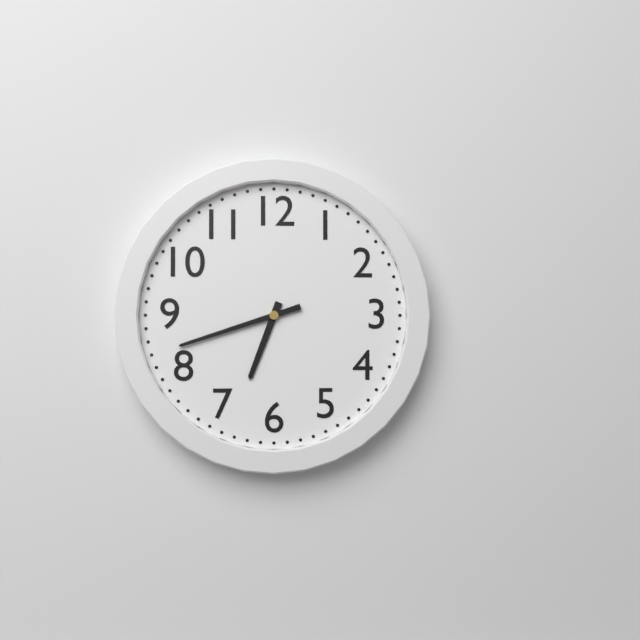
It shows 6h42
